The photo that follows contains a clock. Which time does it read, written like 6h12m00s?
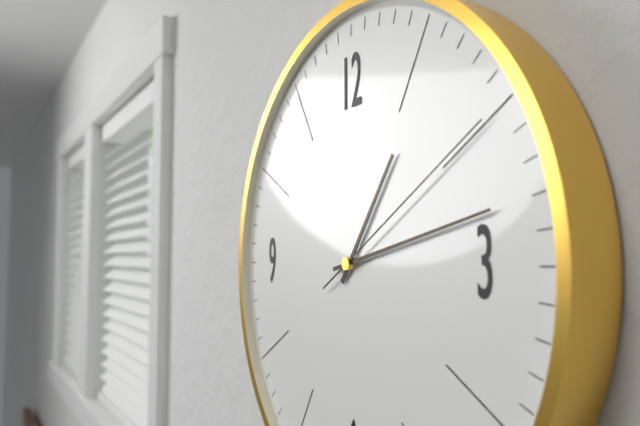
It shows 1h13m10s
